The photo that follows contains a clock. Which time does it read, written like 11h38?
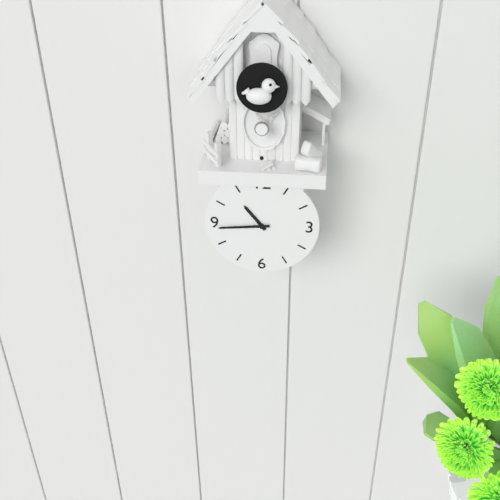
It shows 10h44
